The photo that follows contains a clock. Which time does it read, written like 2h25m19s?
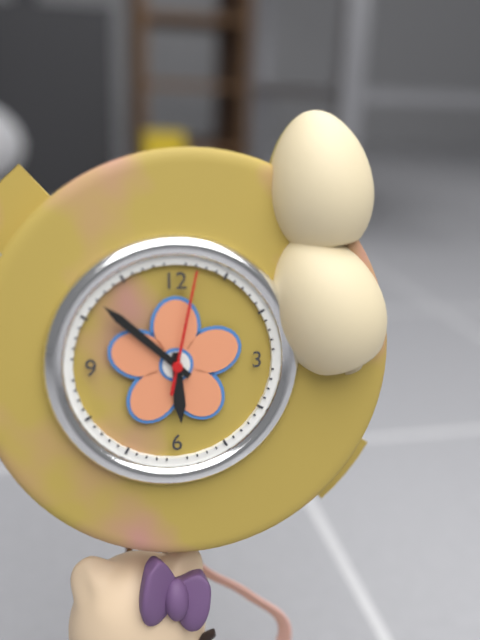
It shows 5h52m02s
